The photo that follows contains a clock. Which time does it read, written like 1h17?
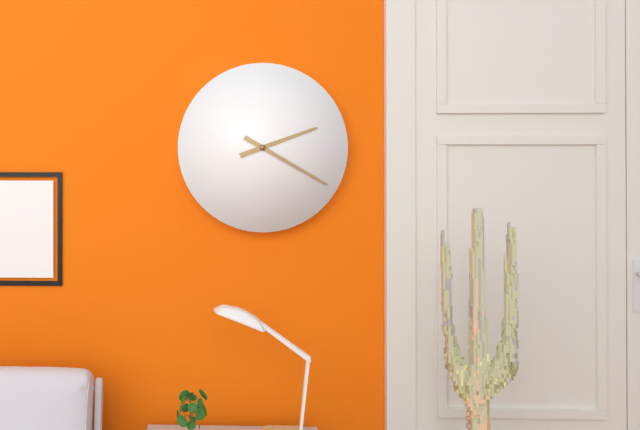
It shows 2h20
